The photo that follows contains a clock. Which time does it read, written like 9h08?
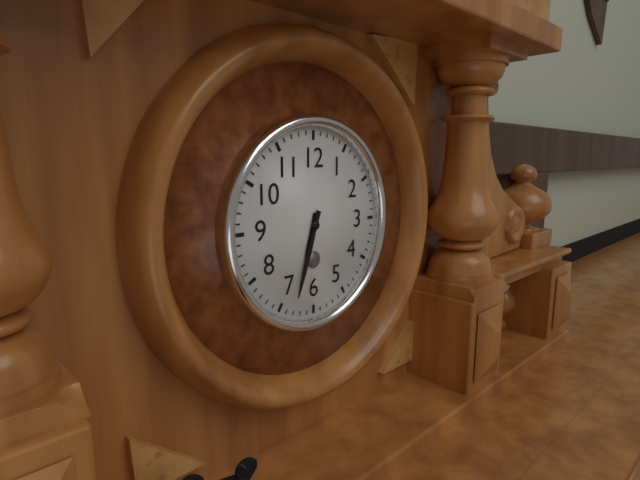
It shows 6h33
